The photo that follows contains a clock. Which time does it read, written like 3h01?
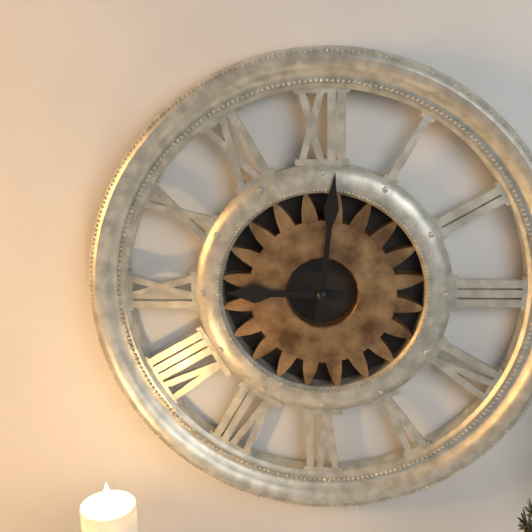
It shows 9h01
